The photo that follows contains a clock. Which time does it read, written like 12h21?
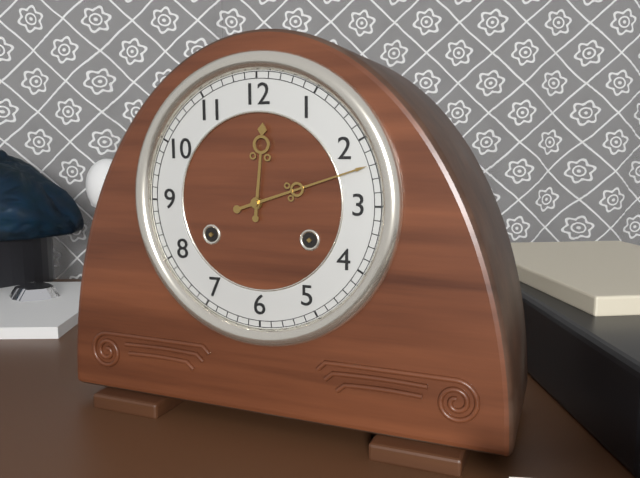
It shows 12h12
